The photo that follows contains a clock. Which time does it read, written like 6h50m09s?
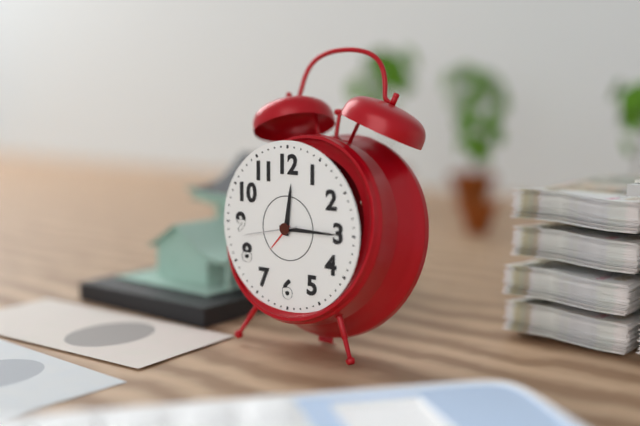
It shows 12h15m43s
